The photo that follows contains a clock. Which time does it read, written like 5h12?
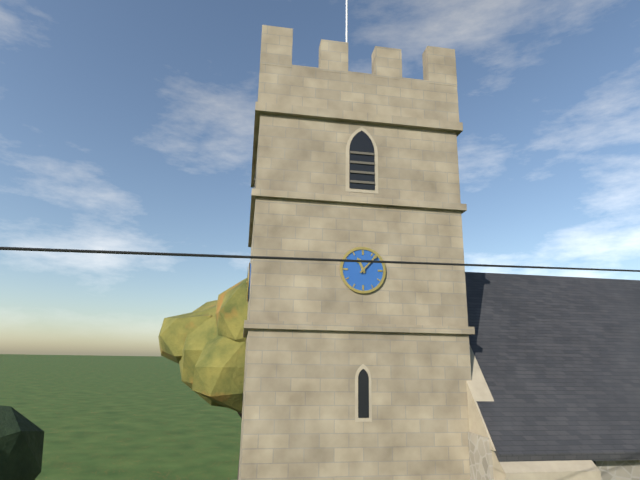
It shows 11h07
